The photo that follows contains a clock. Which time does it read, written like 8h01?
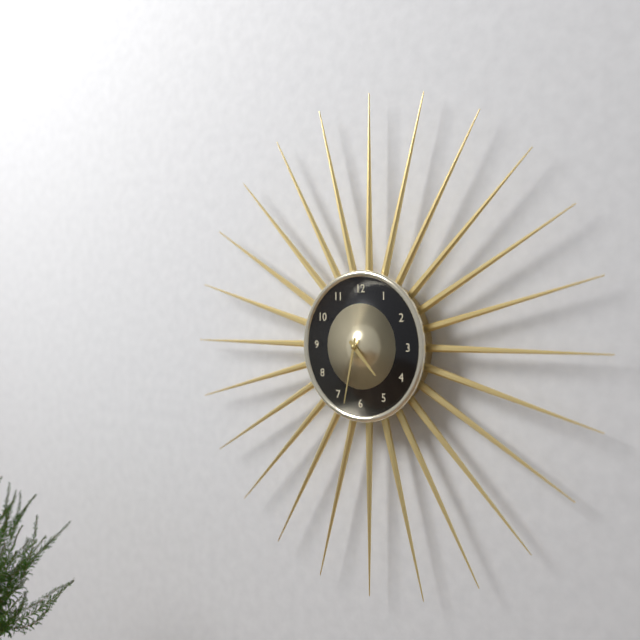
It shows 4h32
